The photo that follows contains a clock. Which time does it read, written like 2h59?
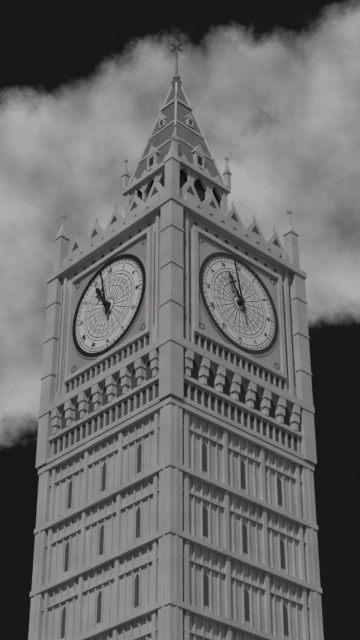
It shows 10h58
